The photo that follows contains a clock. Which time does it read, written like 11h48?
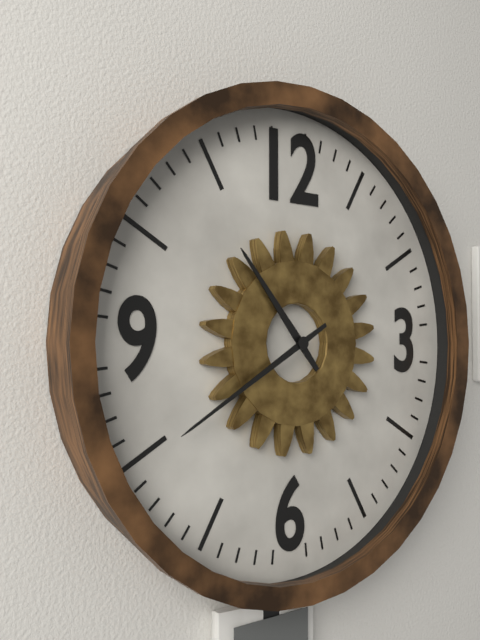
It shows 10h40
